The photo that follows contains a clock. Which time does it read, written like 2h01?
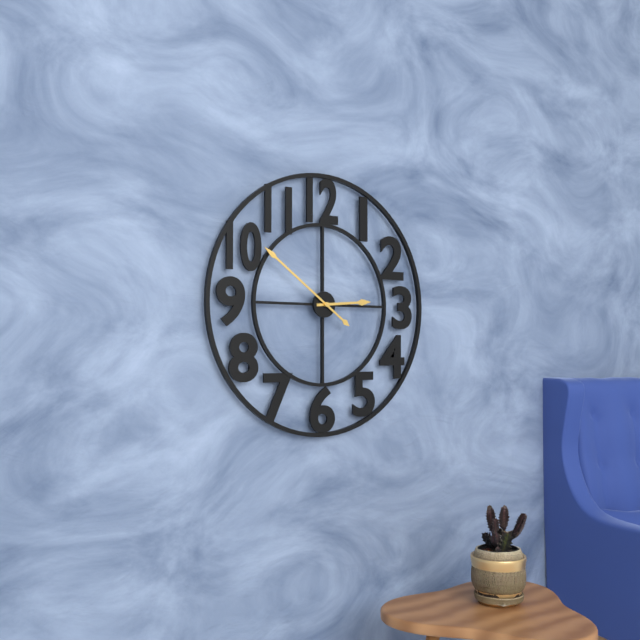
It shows 2h51
